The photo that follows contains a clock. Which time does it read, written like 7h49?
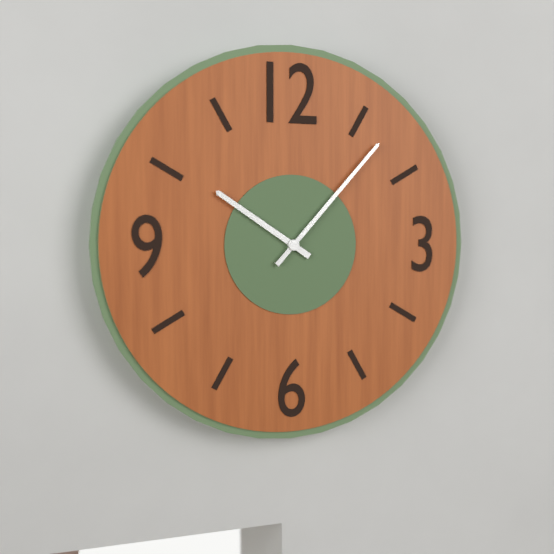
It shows 10h07
